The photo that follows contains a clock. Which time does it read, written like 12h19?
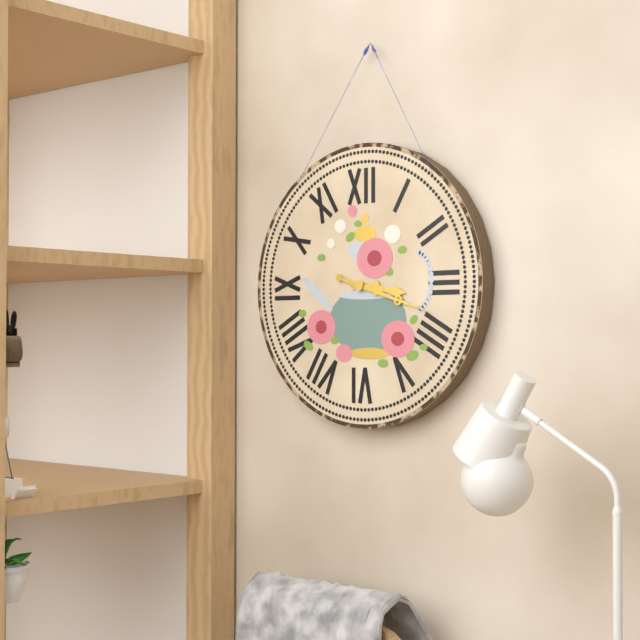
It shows 3h18
